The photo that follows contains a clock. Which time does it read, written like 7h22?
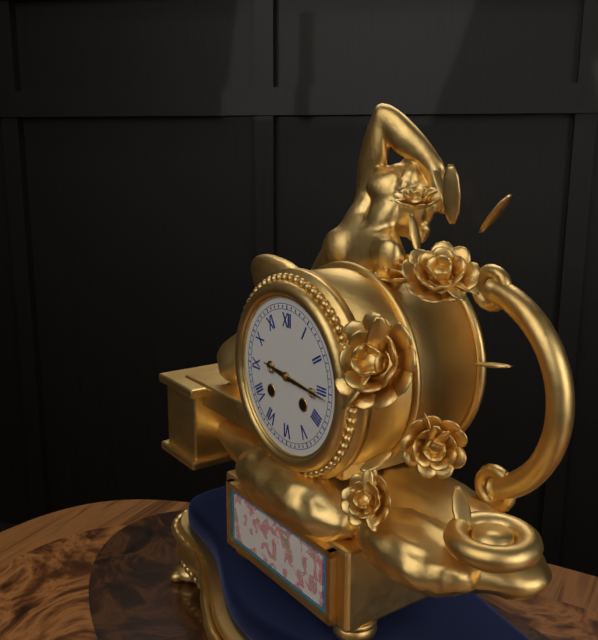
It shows 9h16
